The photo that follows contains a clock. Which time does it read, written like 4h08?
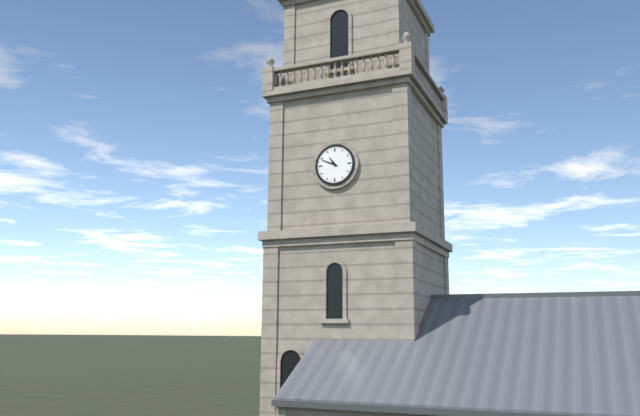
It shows 10h49
